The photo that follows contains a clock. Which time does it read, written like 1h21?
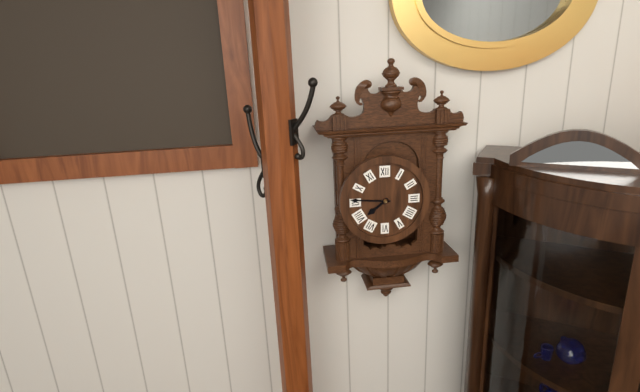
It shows 7h46
